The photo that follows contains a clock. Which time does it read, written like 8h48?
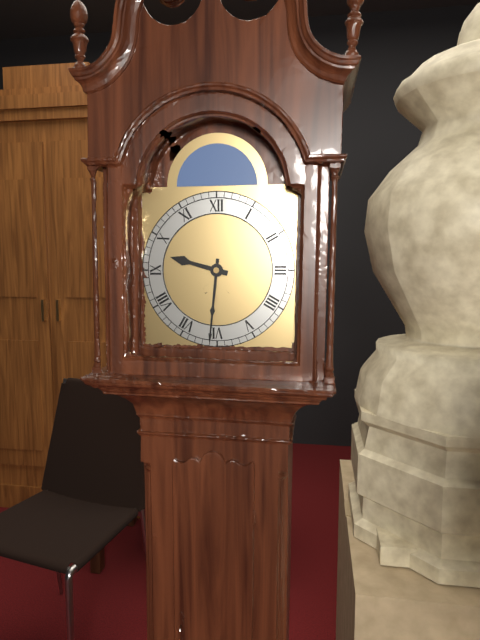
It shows 9h31
